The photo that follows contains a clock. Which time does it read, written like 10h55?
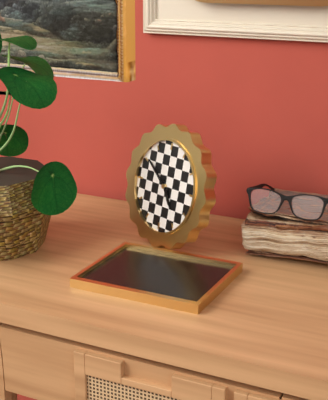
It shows 4h51
